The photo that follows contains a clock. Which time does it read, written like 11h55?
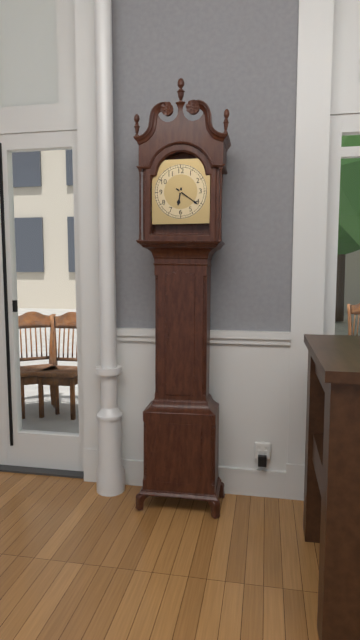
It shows 6h21
